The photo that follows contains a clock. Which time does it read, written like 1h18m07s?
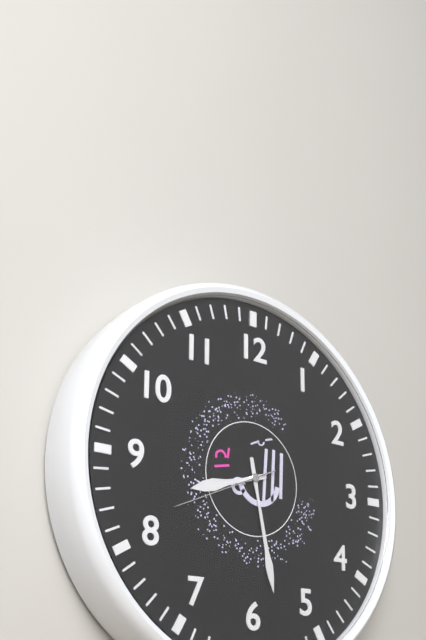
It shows 8h28m41s
